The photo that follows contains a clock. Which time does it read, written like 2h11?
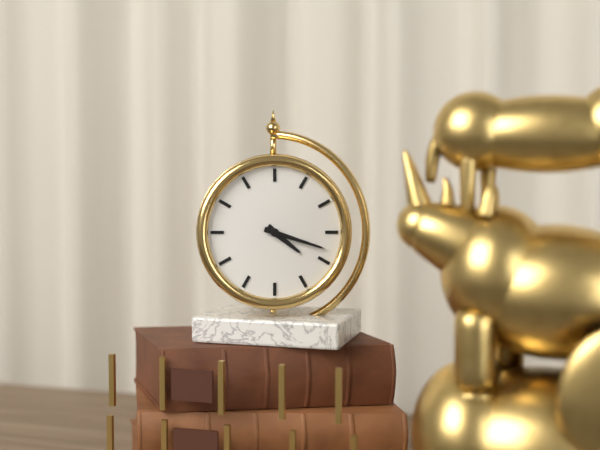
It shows 4h18
